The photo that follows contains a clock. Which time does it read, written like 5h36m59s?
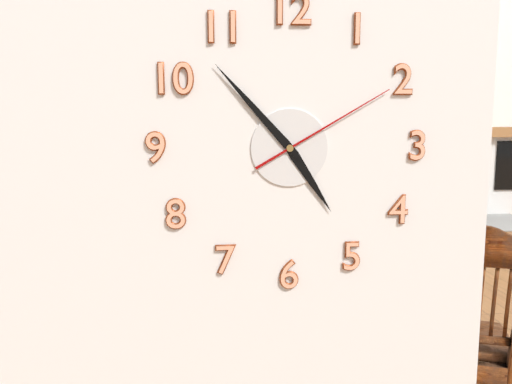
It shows 4h53m10s
